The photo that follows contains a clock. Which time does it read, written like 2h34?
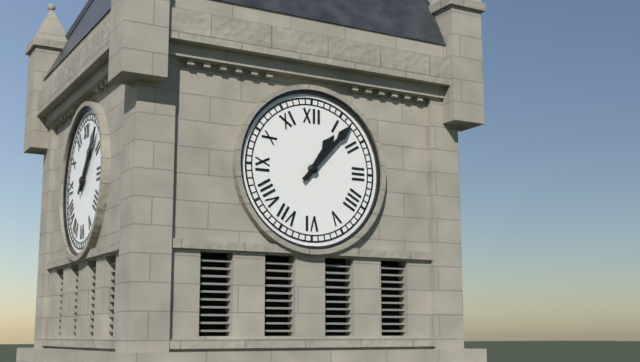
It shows 1h07
